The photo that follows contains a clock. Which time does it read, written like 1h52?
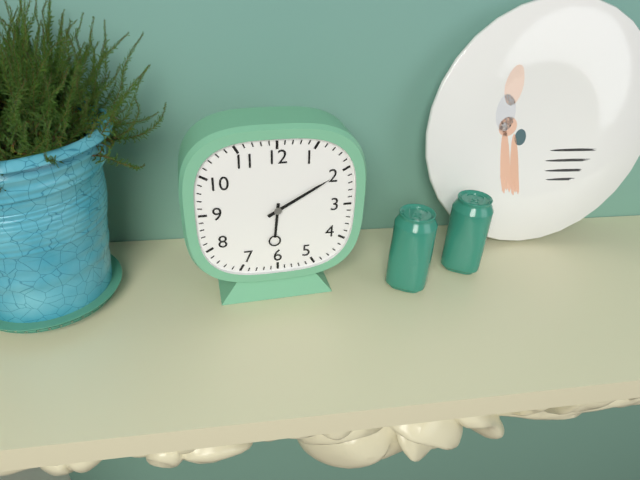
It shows 6h10
